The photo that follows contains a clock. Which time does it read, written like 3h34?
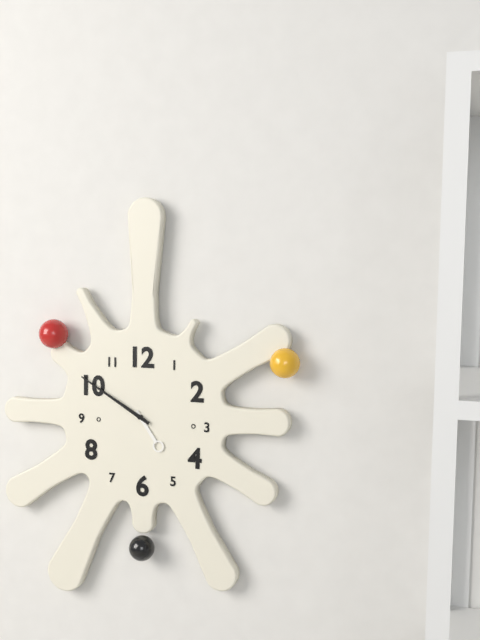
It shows 4h50
